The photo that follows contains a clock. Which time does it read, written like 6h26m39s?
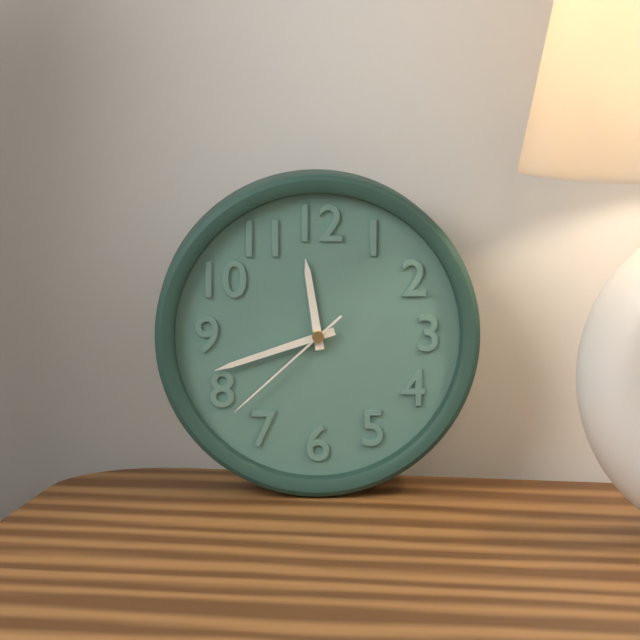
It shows 11h42m38s
